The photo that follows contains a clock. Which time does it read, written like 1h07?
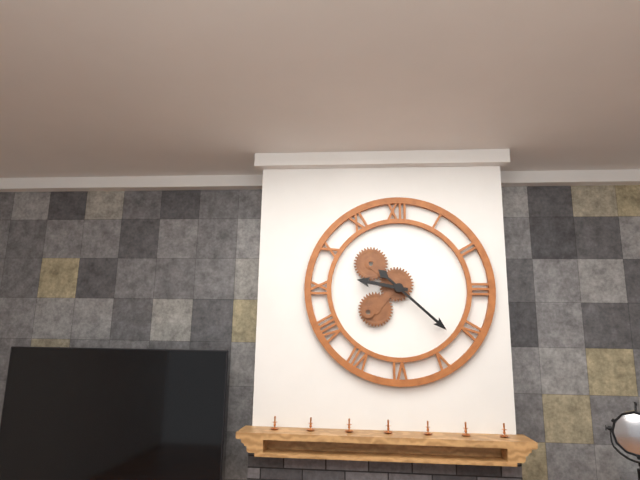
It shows 9h22
